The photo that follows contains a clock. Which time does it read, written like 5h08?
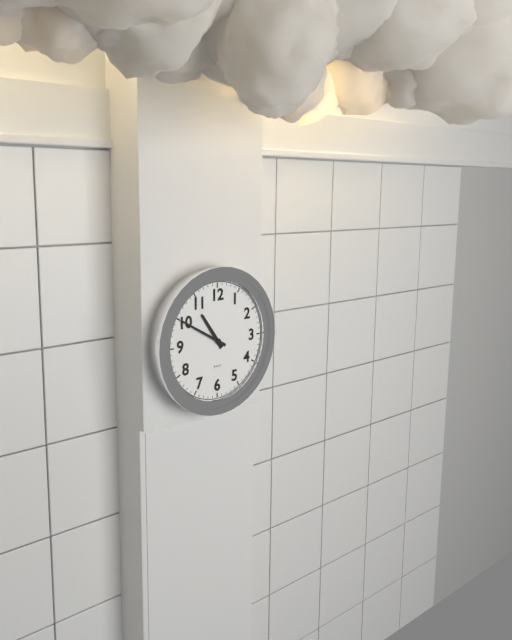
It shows 10h50
